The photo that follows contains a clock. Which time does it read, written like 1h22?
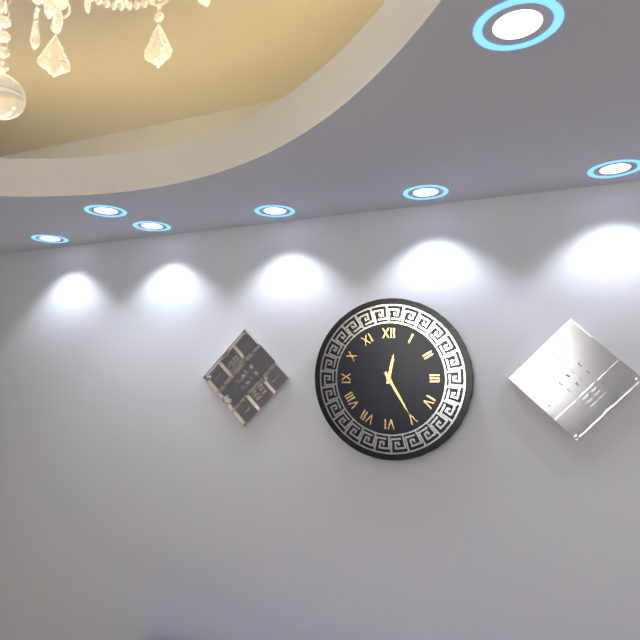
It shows 12h25
